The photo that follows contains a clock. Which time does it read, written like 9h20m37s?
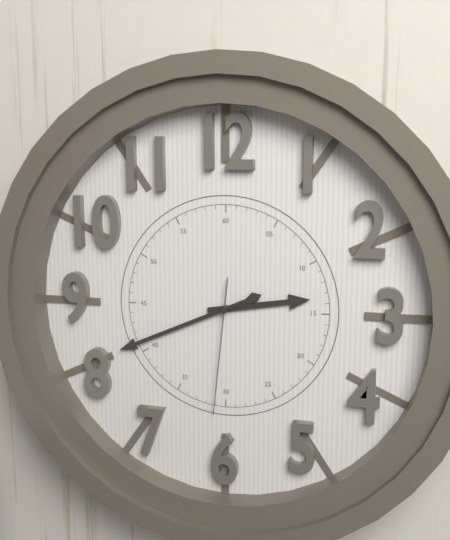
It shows 2h41m31s
